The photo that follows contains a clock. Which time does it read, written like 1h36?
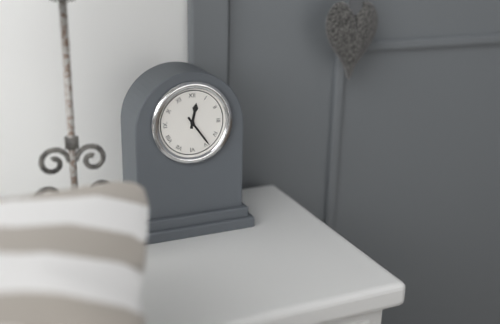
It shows 12h24
